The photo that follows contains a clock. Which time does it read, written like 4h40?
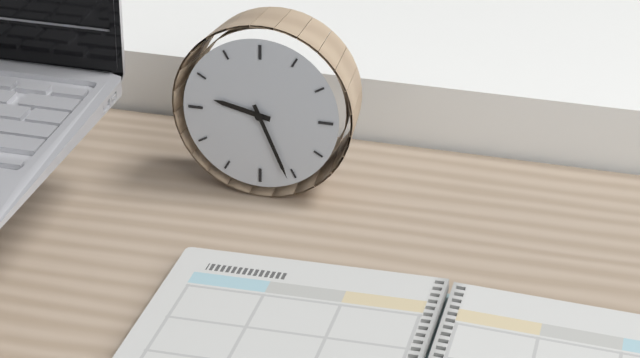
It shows 9h26
